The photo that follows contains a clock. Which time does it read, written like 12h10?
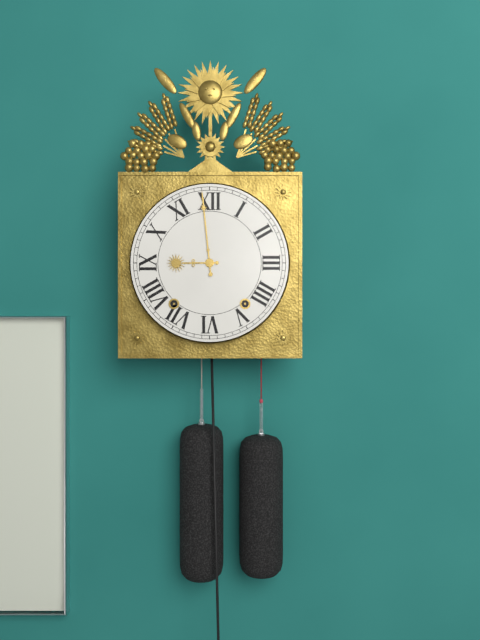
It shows 8h59
